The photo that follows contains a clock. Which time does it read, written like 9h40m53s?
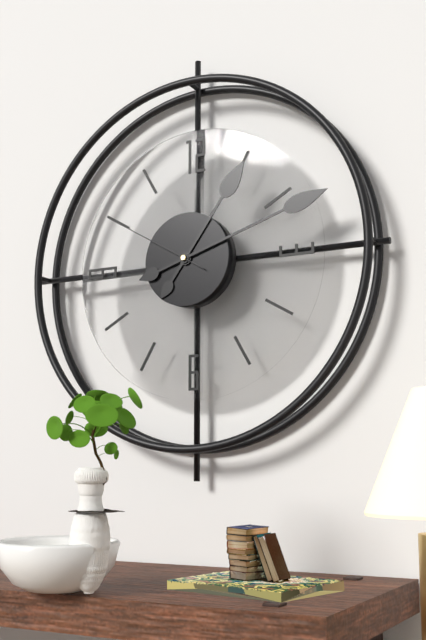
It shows 1h12m50s
